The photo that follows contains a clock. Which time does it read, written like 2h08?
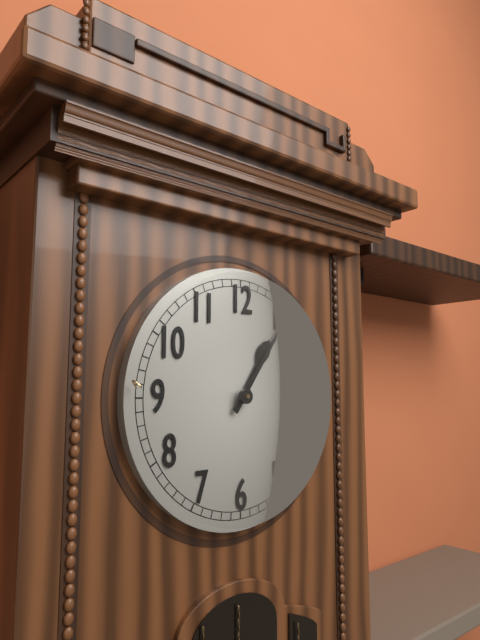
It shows 1h06
